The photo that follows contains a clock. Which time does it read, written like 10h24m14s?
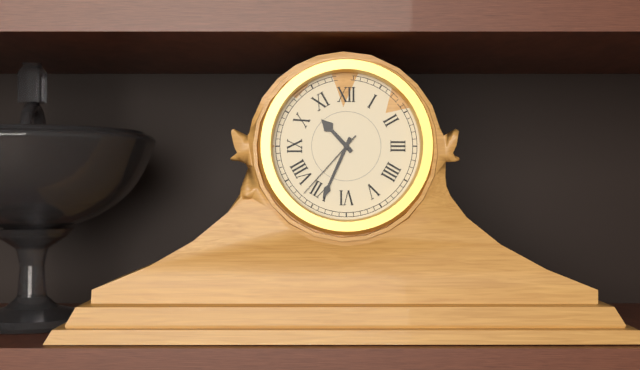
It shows 10h34m37s
